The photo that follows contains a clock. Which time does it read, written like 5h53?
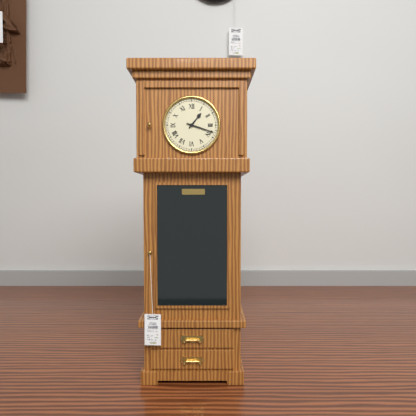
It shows 1h18
